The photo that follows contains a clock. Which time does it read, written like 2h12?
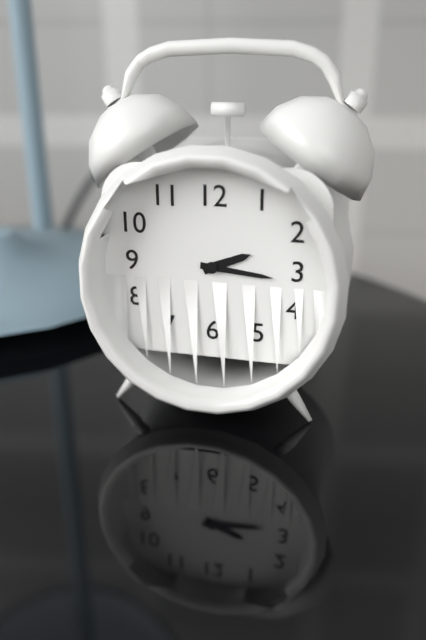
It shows 2h16
